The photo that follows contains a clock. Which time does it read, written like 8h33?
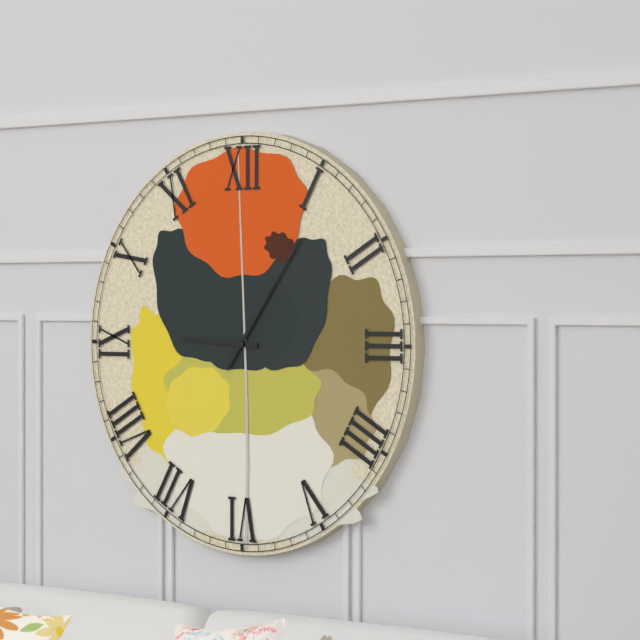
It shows 9h06
